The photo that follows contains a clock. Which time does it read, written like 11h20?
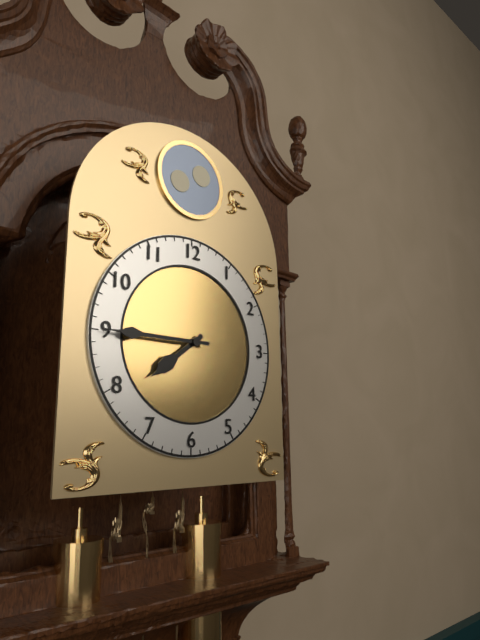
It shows 7h45
